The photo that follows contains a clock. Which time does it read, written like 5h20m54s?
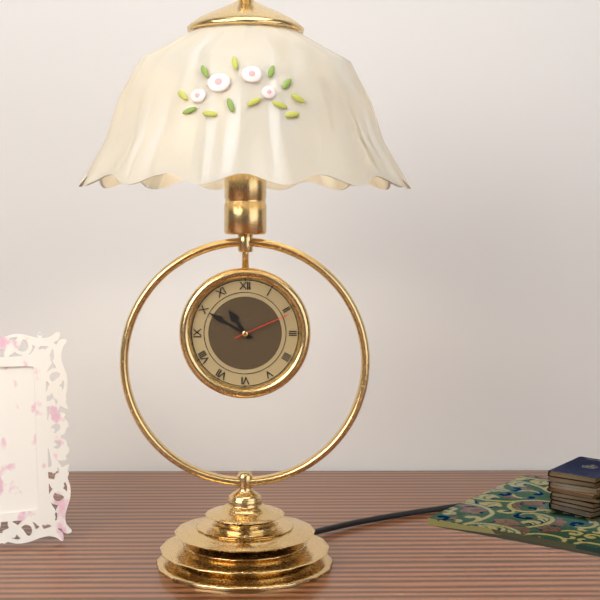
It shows 10h50m11s
